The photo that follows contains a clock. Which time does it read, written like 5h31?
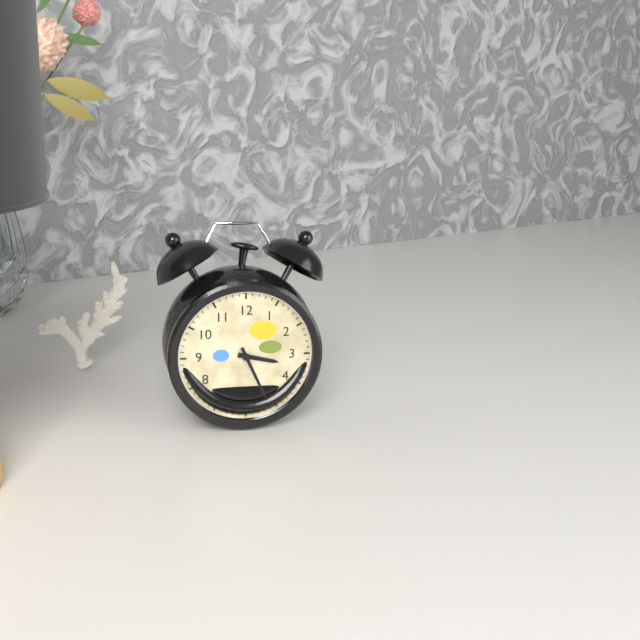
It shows 3h26
